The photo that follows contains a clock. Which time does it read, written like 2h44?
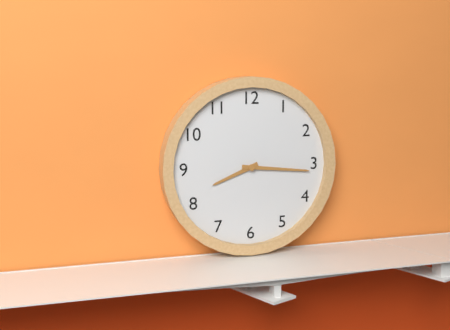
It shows 8h16
